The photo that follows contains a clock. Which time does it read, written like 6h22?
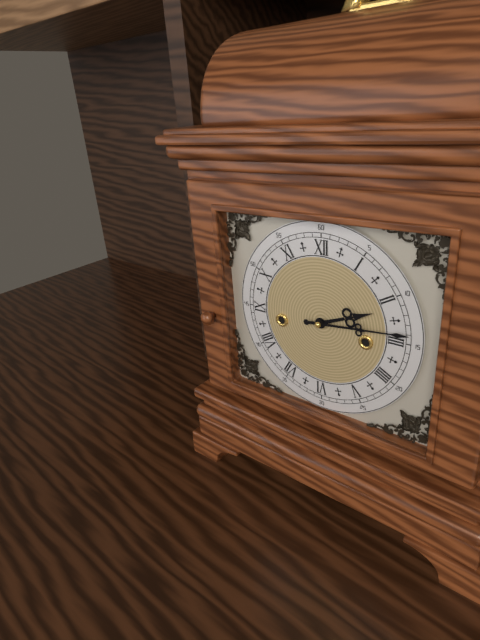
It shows 2h14
